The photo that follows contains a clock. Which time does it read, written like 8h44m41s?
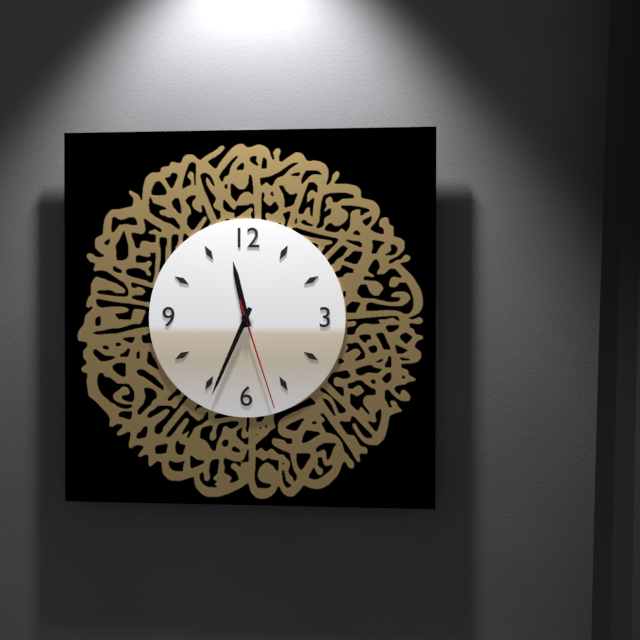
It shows 11h34m27s
